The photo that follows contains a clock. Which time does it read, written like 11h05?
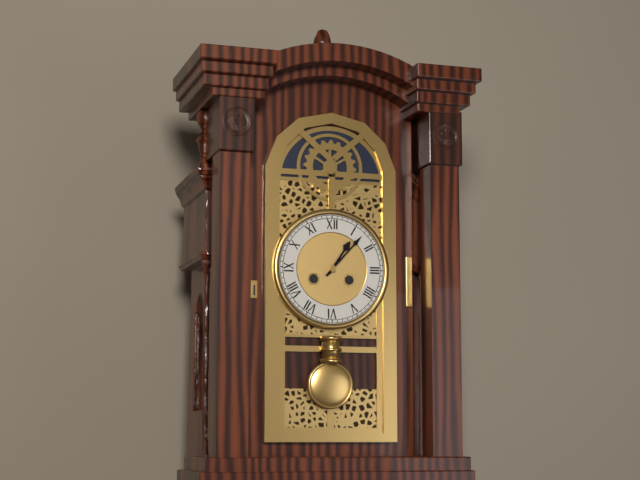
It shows 1h07
